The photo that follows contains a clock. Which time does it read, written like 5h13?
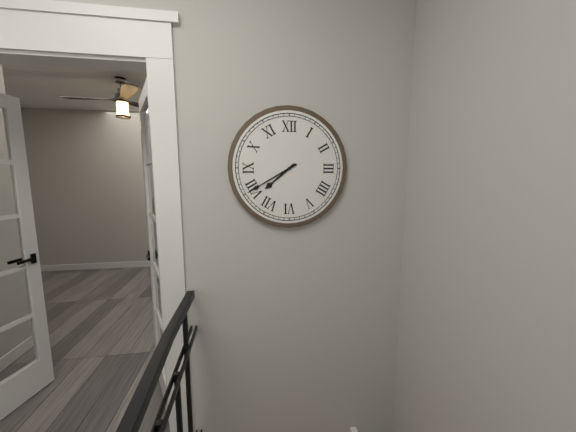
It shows 7h40
